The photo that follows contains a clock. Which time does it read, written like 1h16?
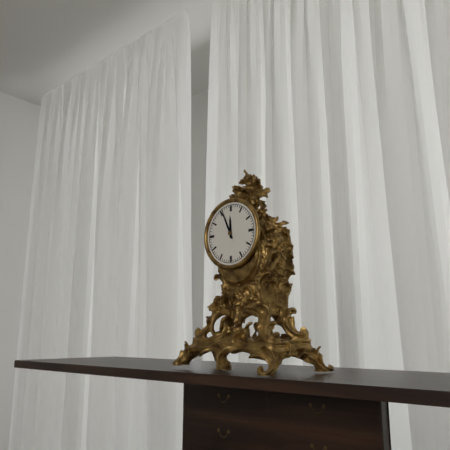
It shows 11h56
